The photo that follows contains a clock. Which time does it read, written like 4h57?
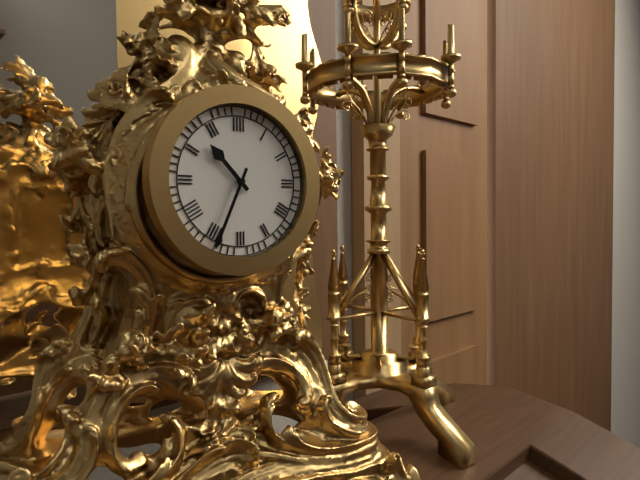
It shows 10h34
